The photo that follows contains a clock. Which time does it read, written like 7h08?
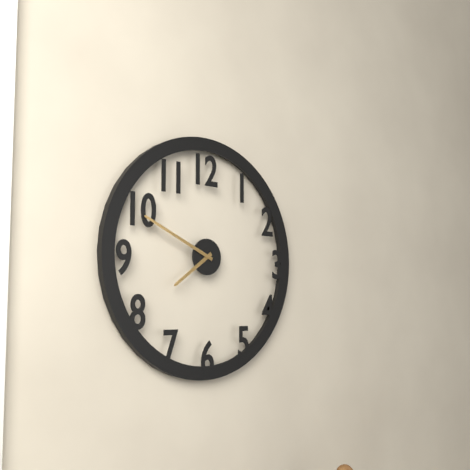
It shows 7h49
